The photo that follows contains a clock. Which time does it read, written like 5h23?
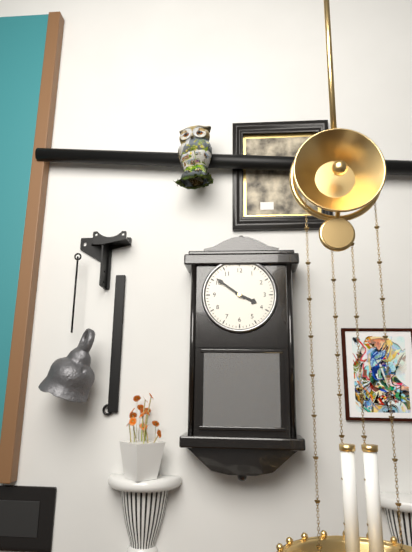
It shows 3h51
